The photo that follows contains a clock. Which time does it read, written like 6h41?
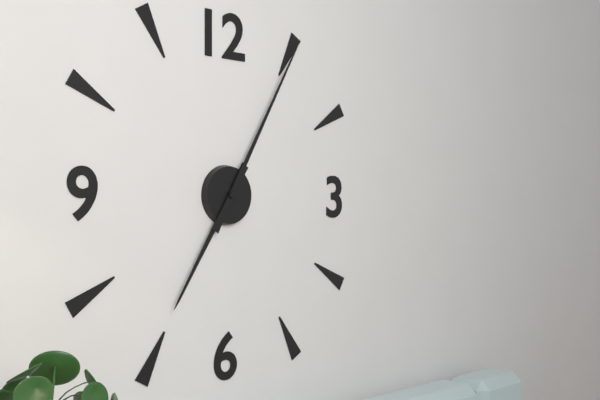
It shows 7h05
